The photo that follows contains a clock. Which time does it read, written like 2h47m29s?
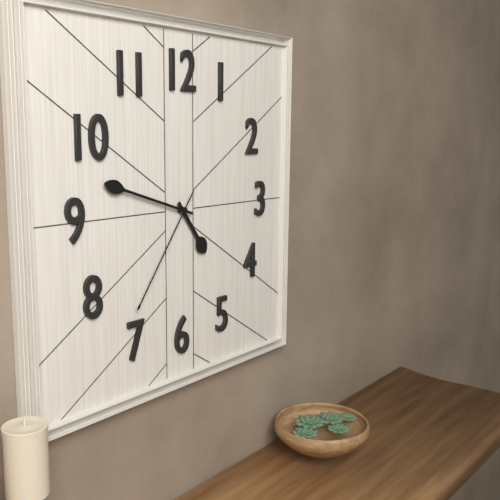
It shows 4h48m36s
